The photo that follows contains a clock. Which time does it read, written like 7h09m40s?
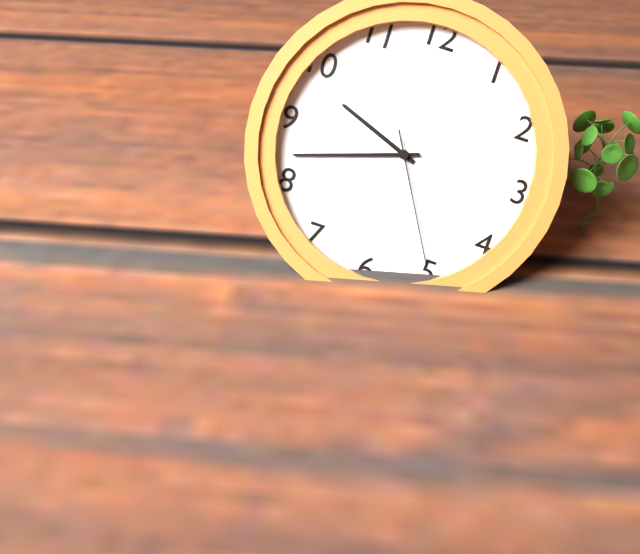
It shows 9h42m25s
